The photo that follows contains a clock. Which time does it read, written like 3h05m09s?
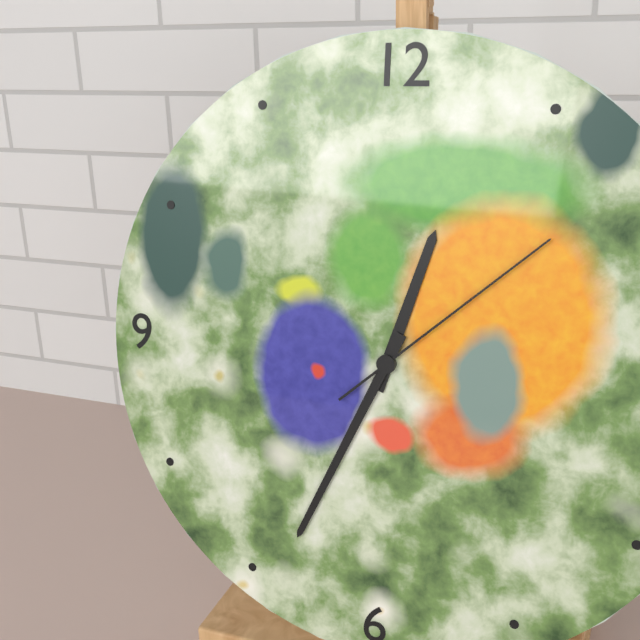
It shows 12h34m08s
